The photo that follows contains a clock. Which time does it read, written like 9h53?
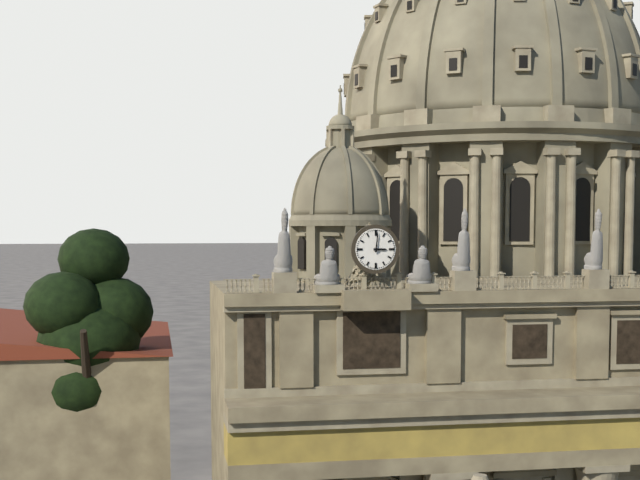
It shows 3h01
